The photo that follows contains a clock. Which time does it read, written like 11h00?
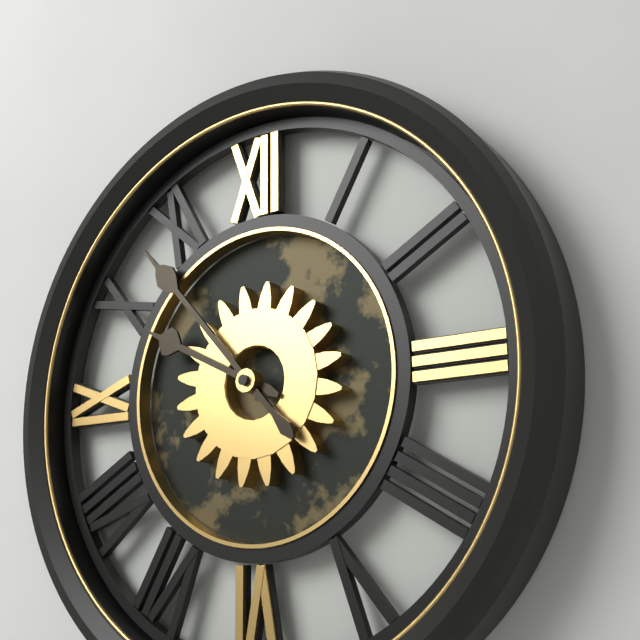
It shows 9h53
